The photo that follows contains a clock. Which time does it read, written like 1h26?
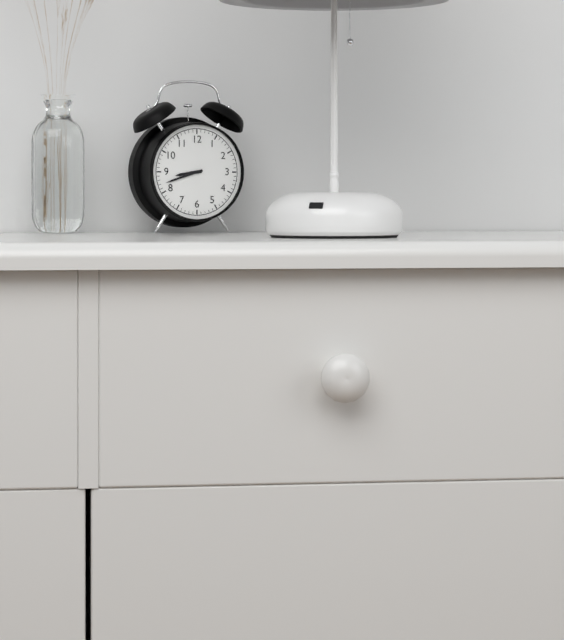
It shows 8h42
